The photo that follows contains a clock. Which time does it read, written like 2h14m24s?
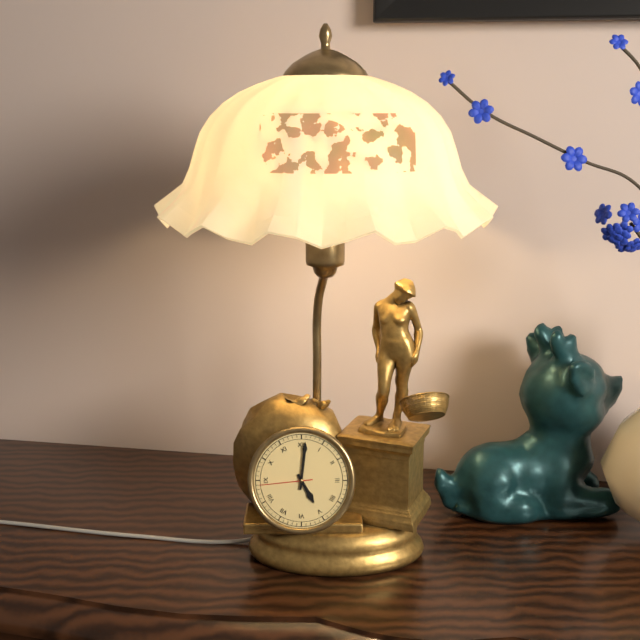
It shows 5h01m44s
